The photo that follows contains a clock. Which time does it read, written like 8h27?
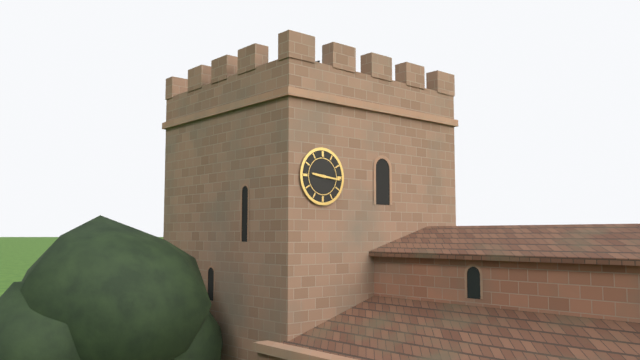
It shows 9h16
